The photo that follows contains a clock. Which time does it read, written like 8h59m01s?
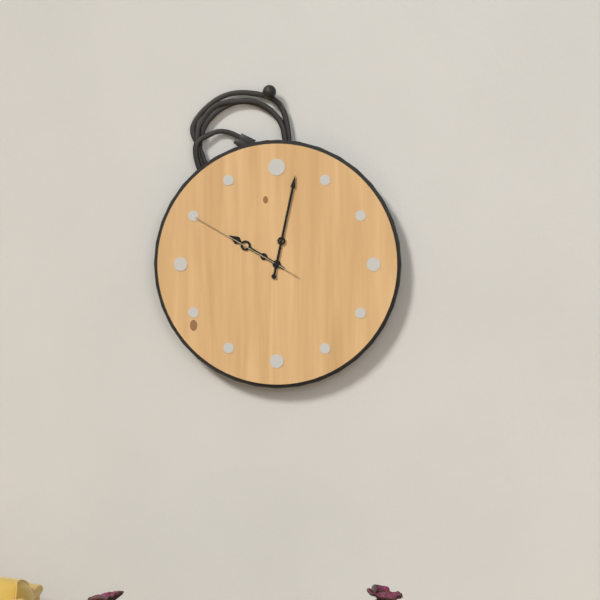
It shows 10h02m50s
